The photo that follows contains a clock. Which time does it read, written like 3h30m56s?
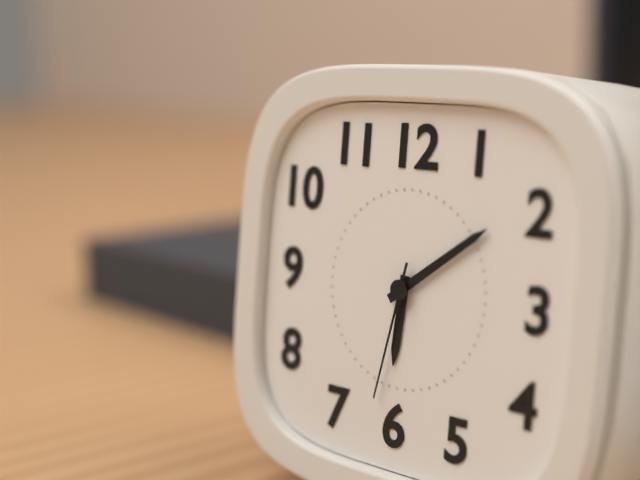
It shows 6h09m32s
